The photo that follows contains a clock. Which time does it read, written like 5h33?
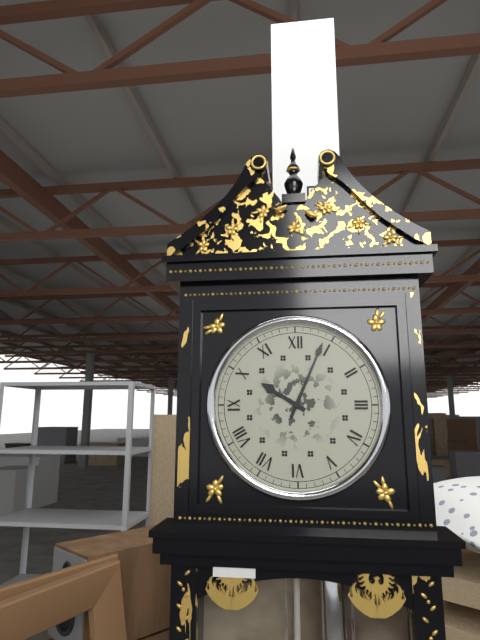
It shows 10h04
